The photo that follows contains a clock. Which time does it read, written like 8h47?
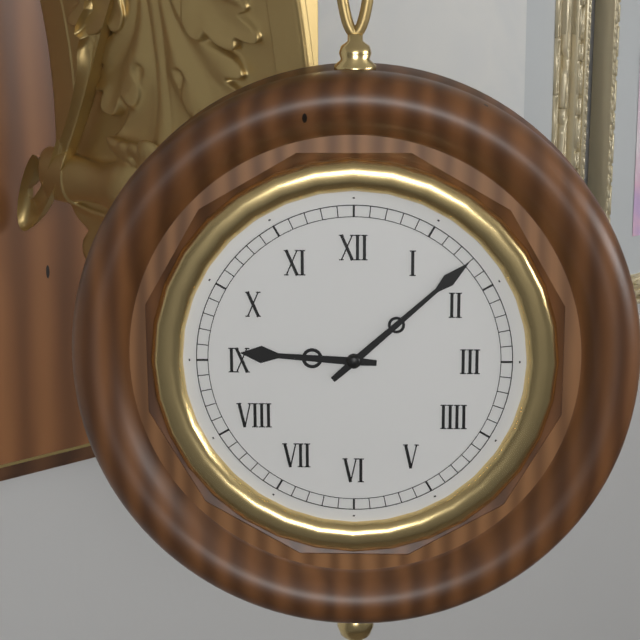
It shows 9h08
